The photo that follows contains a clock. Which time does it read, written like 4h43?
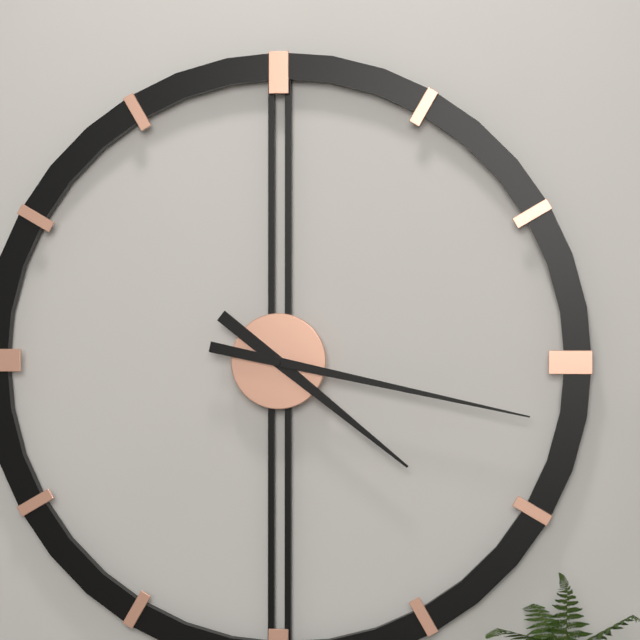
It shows 4h17
